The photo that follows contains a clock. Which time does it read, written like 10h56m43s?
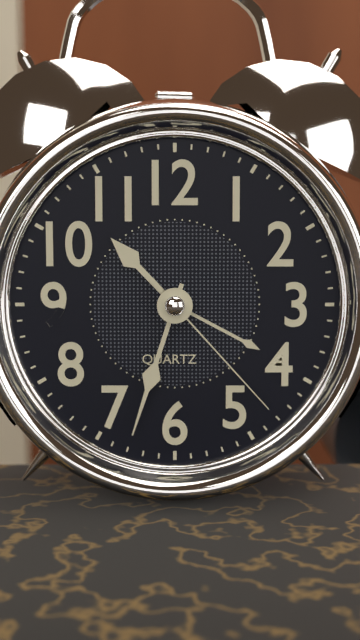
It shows 10h33m23s
